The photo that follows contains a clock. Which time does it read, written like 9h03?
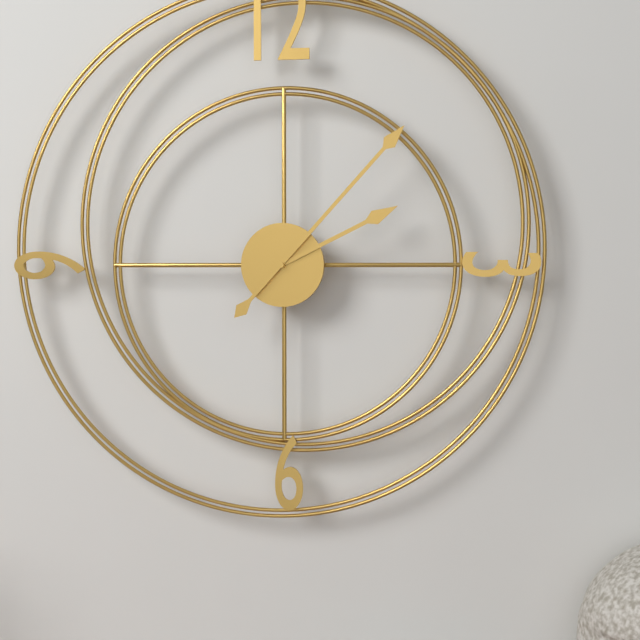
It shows 2h07
